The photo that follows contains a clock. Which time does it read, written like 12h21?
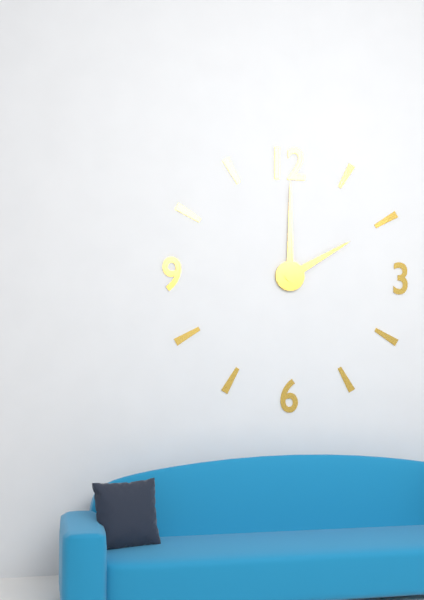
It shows 2h00
